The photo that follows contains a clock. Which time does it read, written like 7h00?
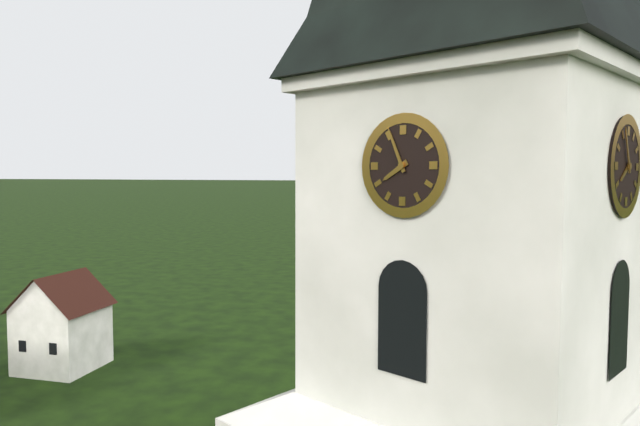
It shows 7h56
